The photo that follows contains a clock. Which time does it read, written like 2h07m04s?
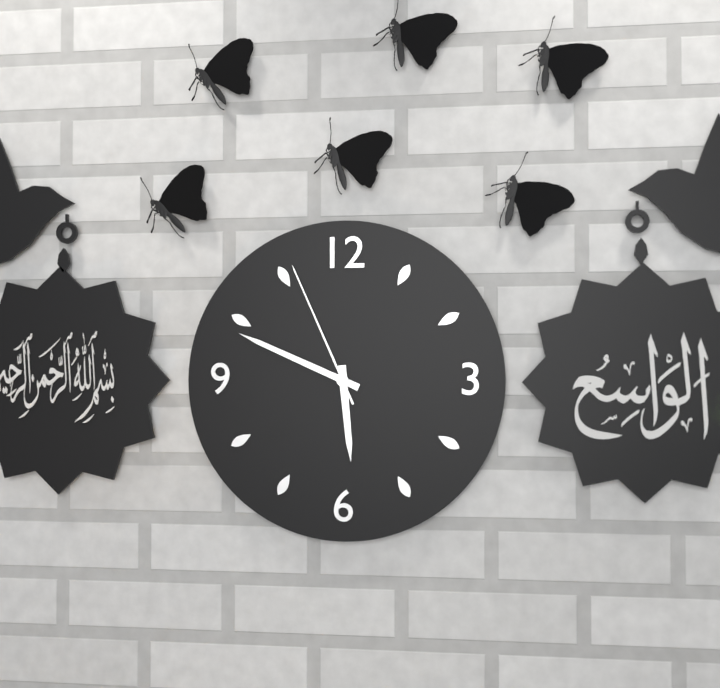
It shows 5h49m56s
